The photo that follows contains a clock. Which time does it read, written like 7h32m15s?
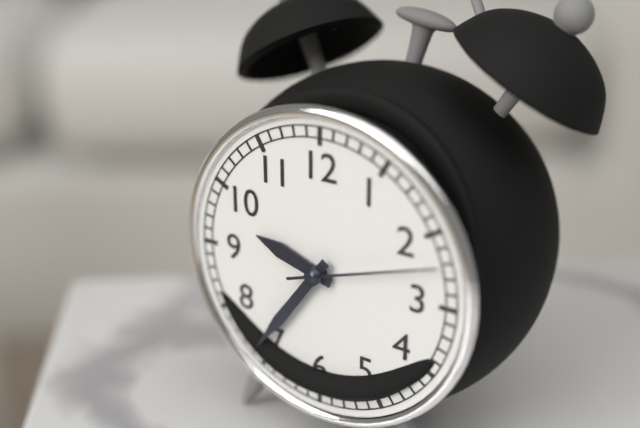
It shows 9h36m12s
